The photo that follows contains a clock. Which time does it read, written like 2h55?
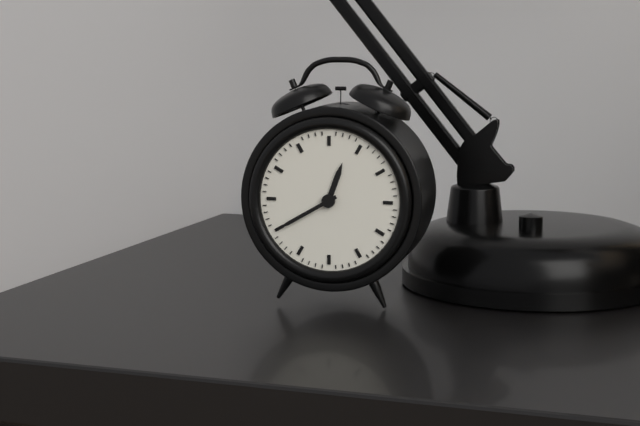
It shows 12h40
